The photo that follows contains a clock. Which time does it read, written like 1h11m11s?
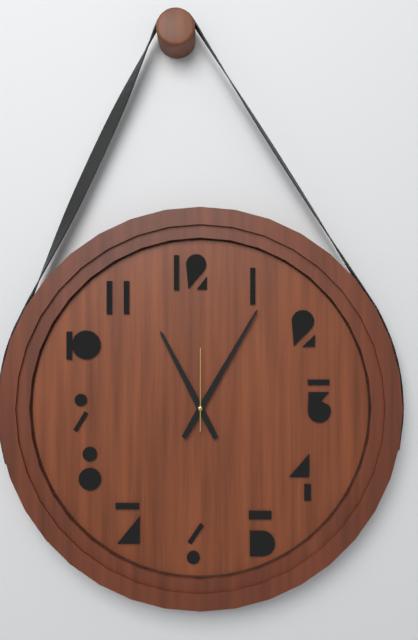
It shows 11h05m00s
